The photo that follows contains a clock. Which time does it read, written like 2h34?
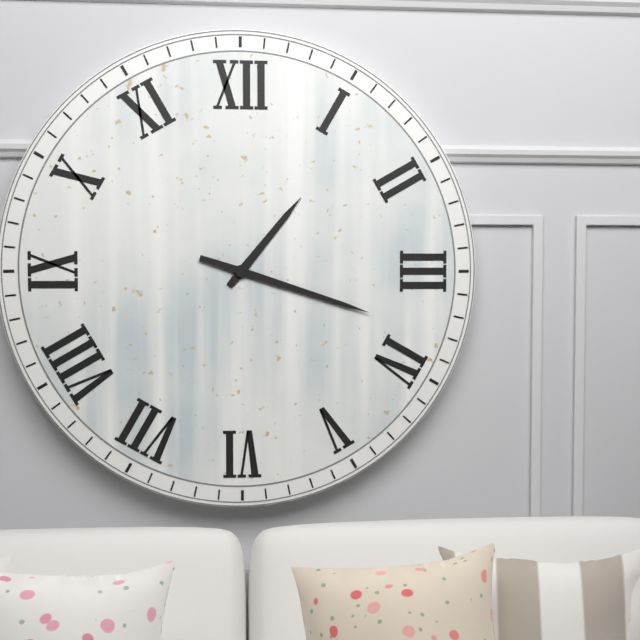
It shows 1h18
